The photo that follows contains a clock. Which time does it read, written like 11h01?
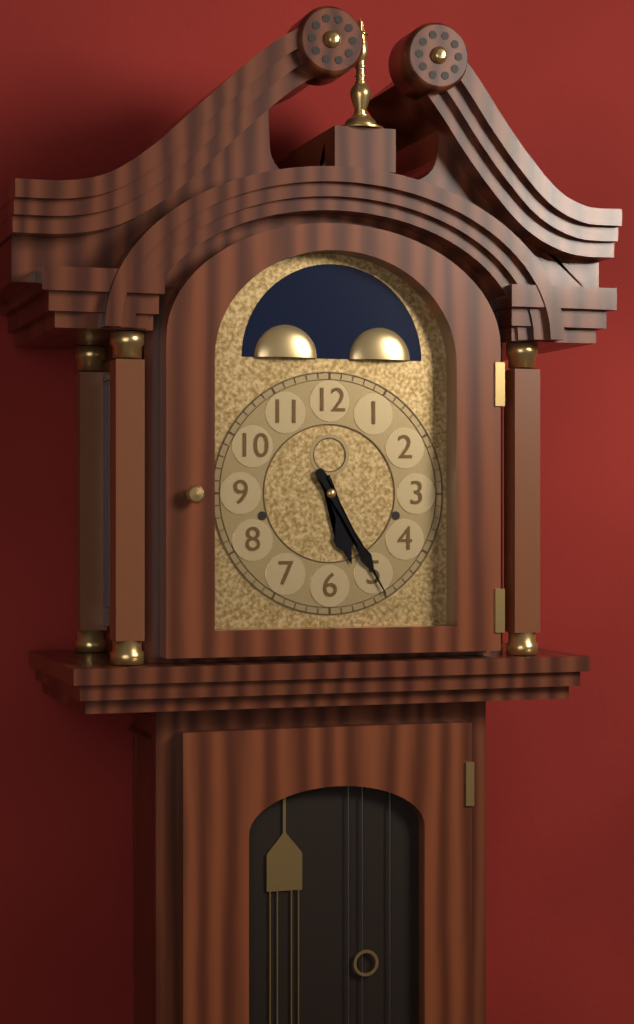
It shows 5h25
